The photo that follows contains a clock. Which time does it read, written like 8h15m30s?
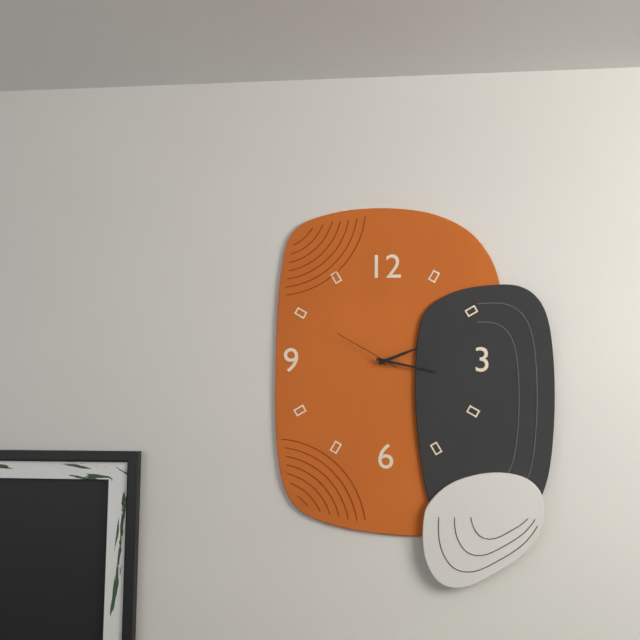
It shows 2h17m50s
